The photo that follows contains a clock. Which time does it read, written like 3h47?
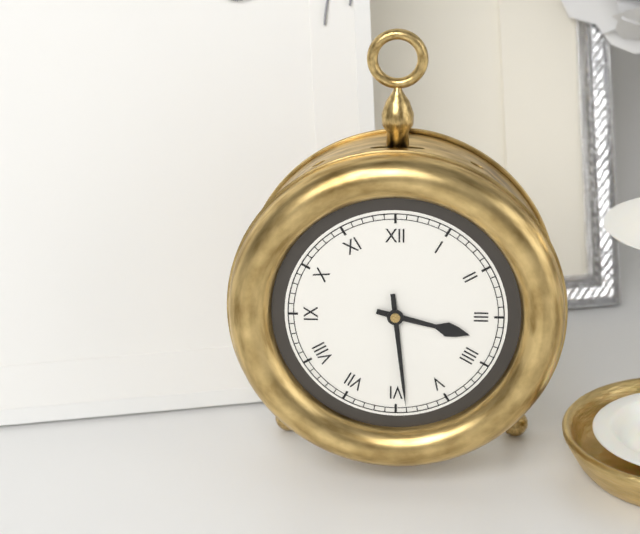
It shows 3h29
